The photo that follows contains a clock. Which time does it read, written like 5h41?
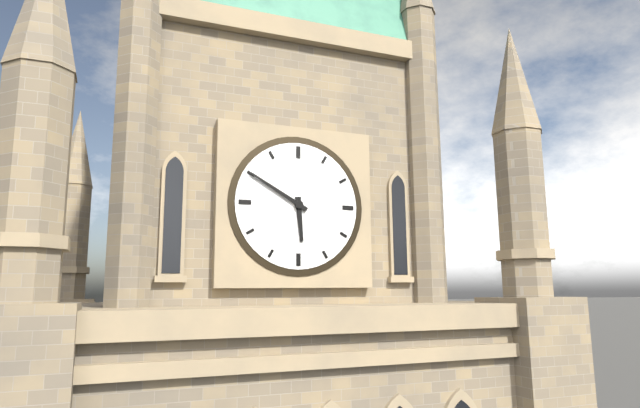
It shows 5h50
